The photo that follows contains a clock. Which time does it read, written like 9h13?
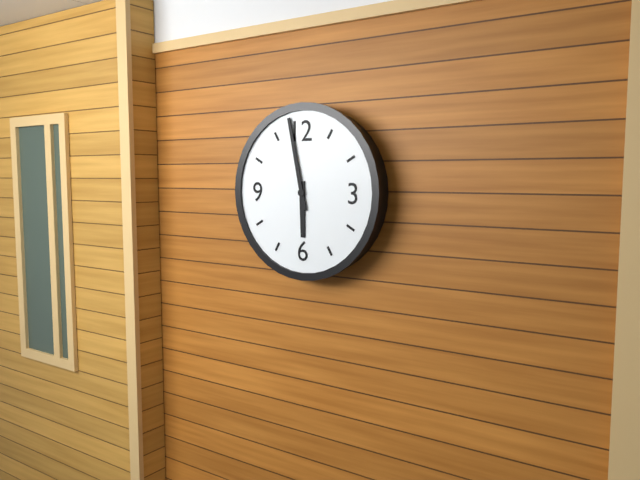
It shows 5h58
